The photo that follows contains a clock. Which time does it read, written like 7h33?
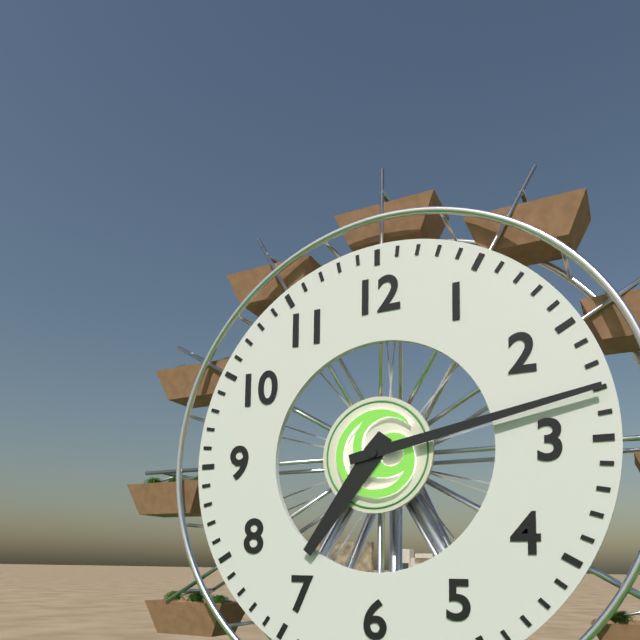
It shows 7h13
